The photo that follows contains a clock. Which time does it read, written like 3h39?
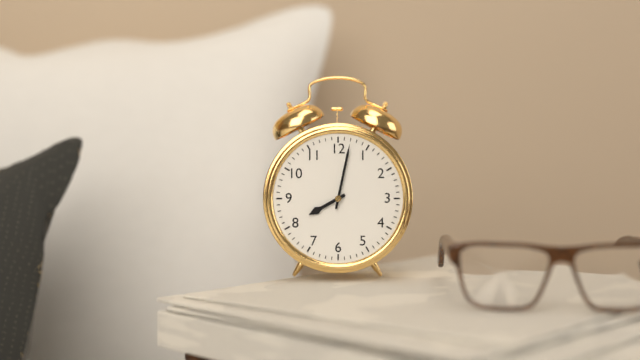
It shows 8h02
